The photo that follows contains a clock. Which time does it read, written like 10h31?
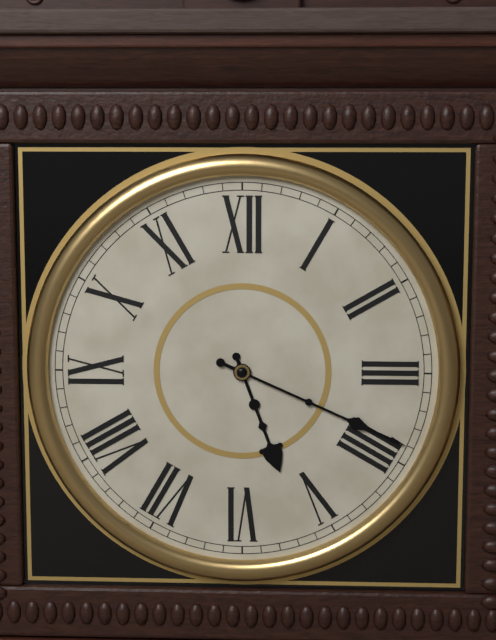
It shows 5h19
